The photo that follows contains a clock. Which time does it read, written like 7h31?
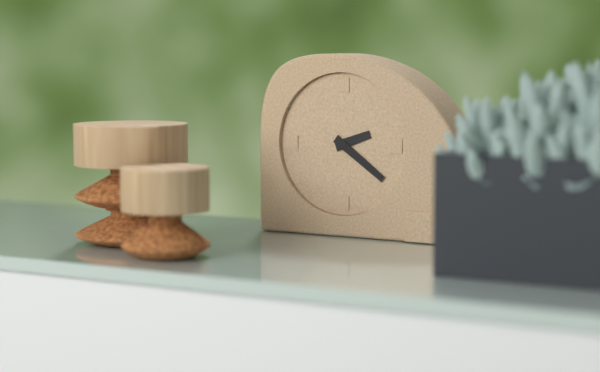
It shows 2h21
